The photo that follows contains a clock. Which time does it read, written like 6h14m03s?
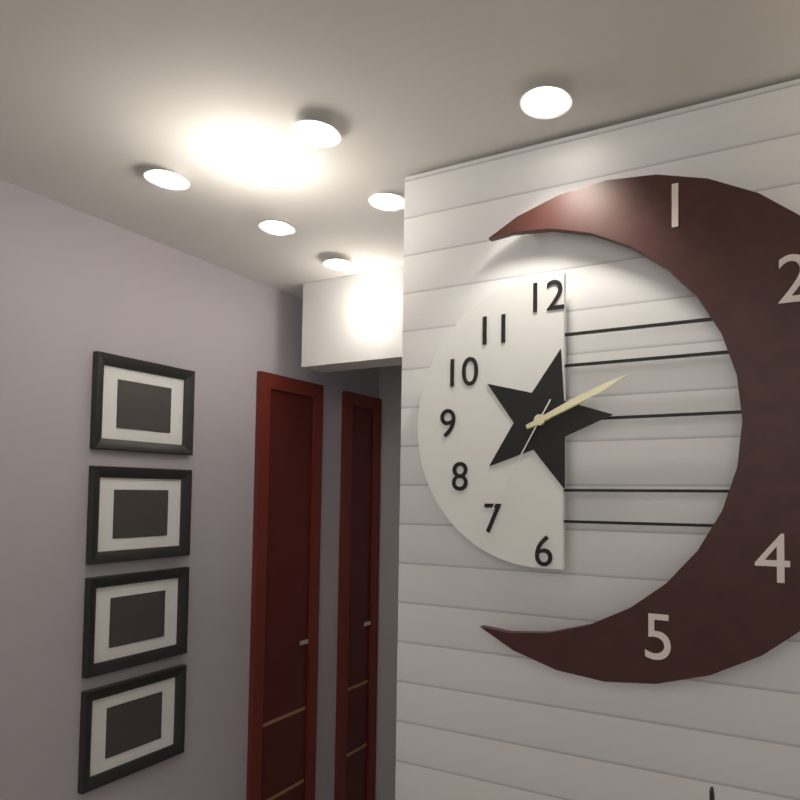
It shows 2h11m35s
